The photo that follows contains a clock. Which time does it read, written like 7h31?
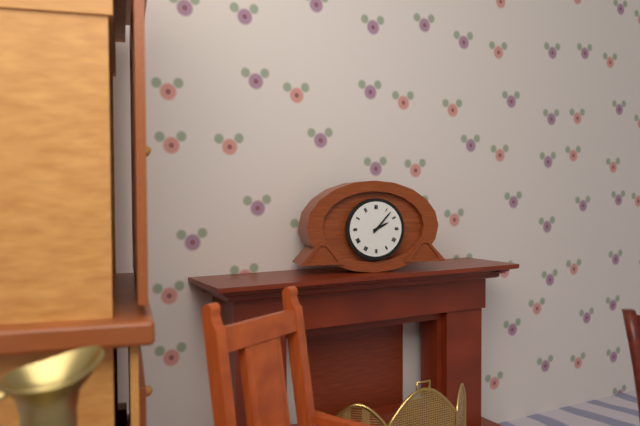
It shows 2h07
